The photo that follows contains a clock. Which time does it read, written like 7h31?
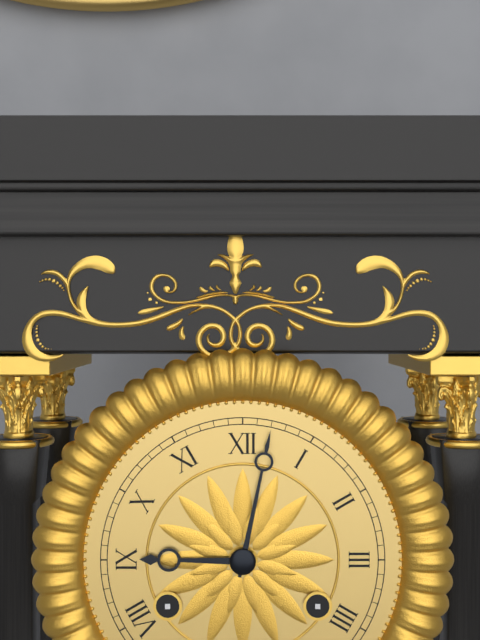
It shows 9h02
